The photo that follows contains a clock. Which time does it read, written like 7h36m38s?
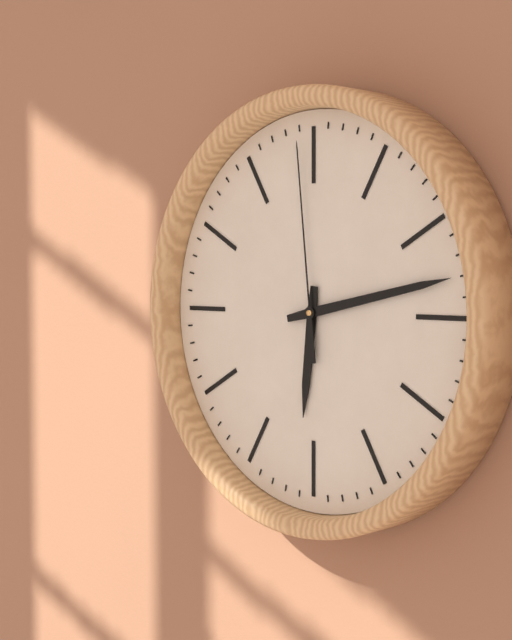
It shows 6h13m59s
